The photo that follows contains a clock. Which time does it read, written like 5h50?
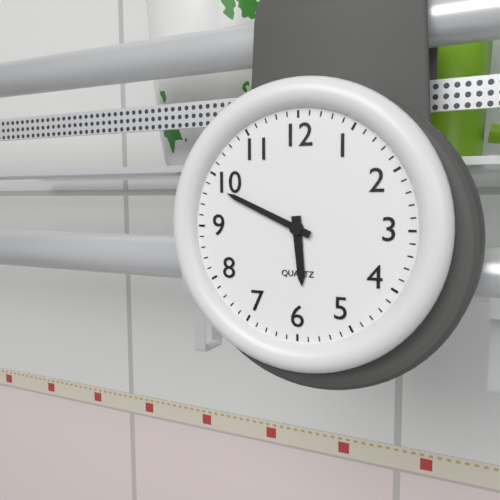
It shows 5h49
